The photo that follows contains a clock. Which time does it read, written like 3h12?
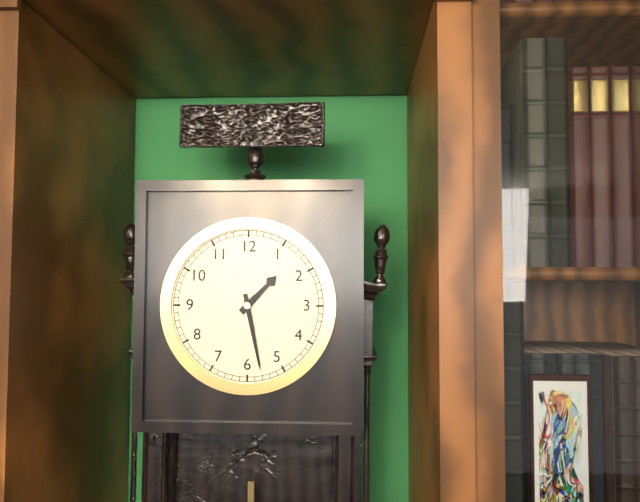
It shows 1h28
